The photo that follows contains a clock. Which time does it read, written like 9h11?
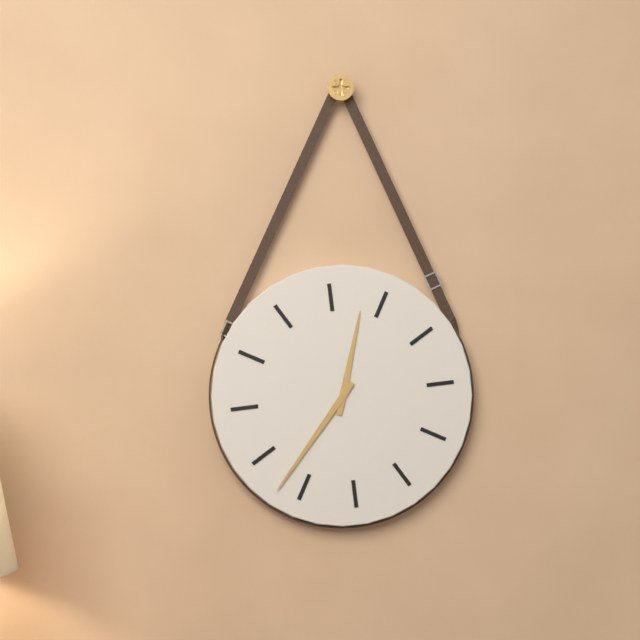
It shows 12h37
